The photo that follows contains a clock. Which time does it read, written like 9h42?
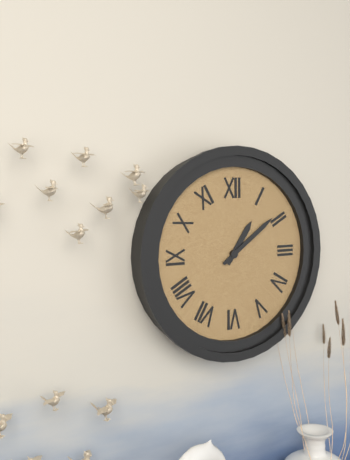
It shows 1h09
